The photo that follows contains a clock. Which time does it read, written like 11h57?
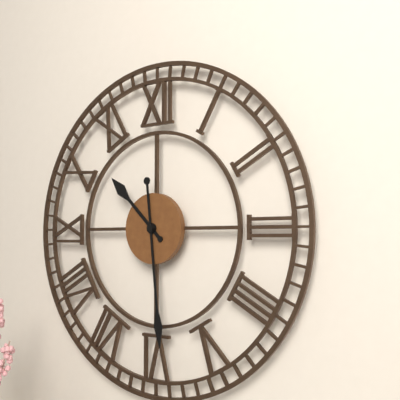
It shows 10h29
